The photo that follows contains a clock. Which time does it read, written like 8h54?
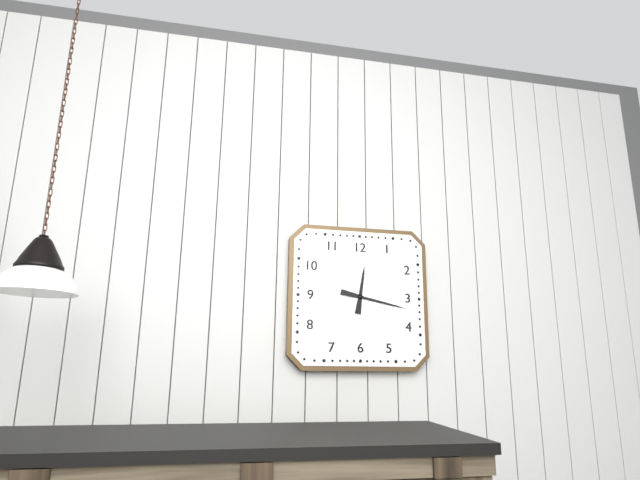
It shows 12h17
